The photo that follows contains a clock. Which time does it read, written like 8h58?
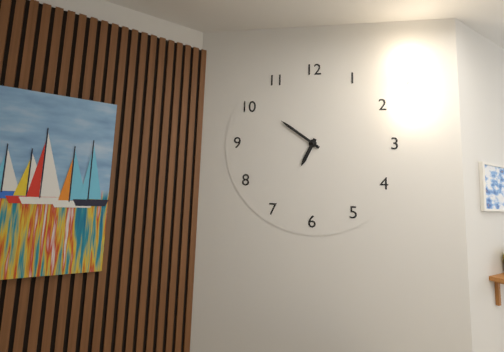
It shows 6h51
